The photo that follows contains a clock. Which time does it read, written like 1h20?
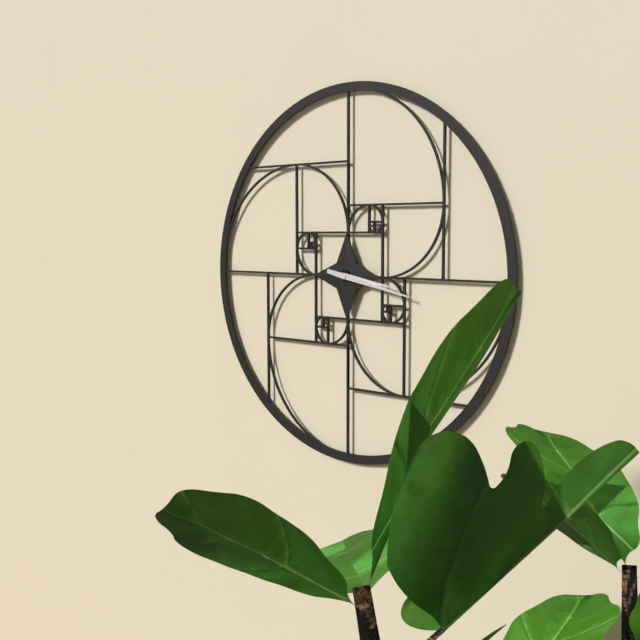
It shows 3h17
